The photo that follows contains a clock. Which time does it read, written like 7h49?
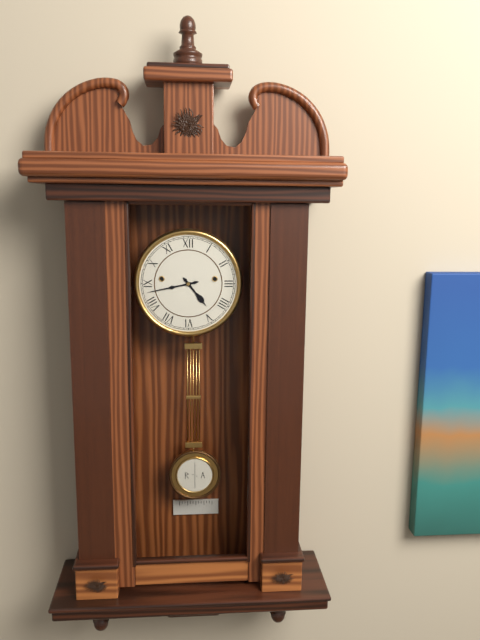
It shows 4h43
